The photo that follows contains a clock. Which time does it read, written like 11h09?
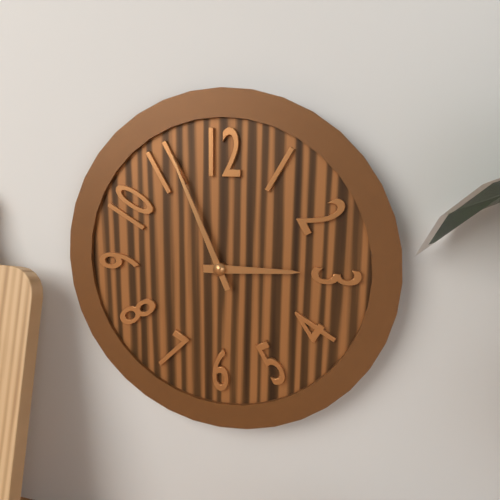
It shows 2h56
